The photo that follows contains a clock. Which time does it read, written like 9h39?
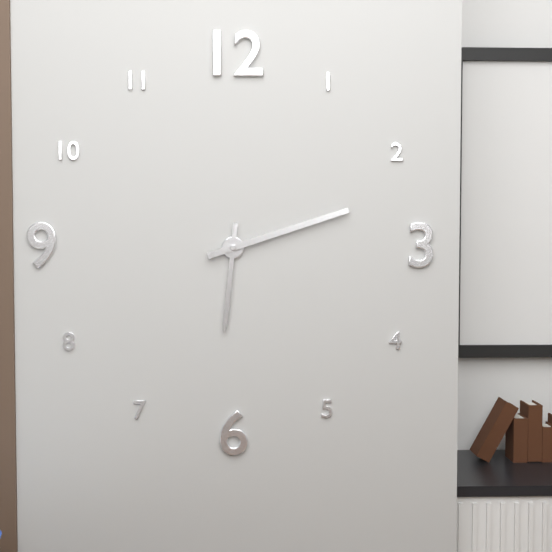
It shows 6h12
